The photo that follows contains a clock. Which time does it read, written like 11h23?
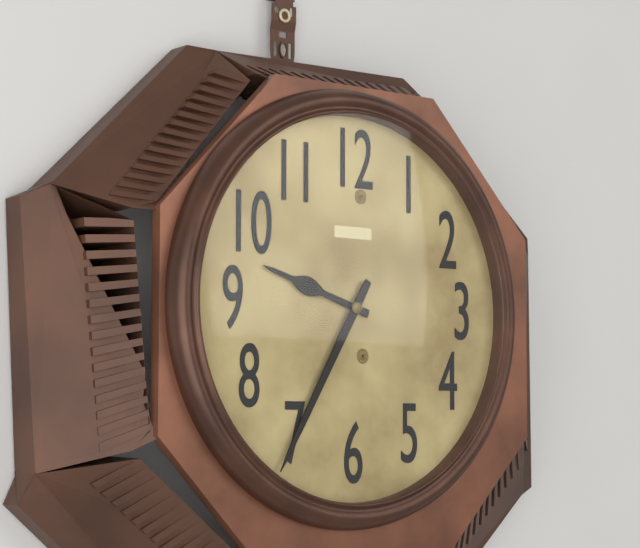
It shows 9h35
